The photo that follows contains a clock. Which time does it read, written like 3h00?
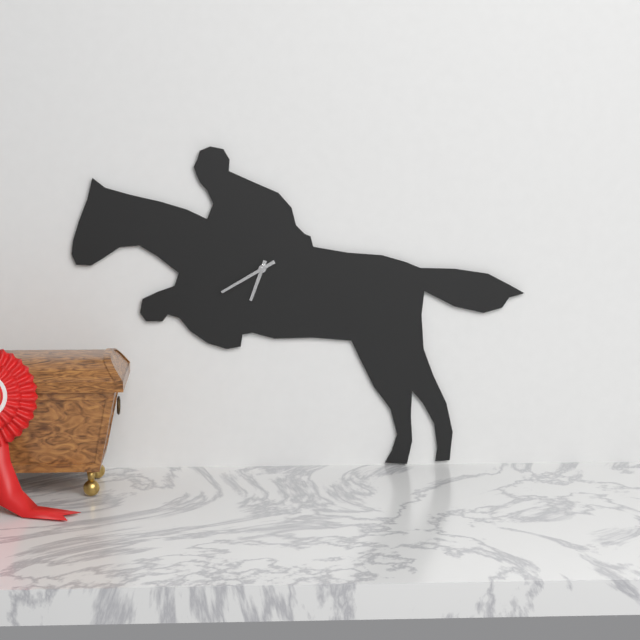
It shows 6h40
